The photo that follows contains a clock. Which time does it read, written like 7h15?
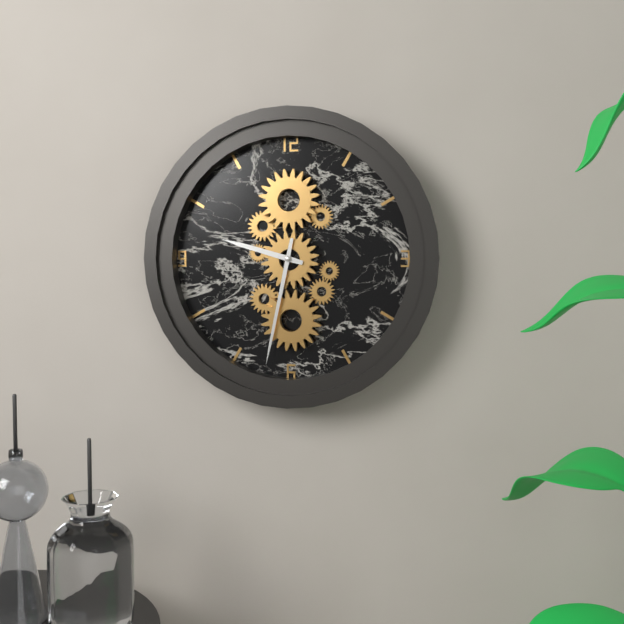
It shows 9h32
